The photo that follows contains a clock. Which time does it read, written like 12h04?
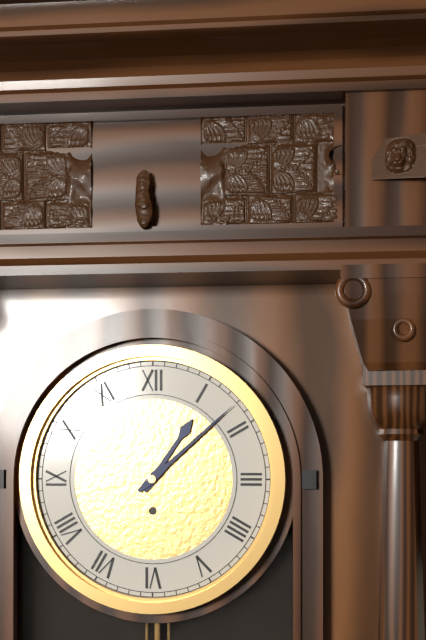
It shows 1h08
